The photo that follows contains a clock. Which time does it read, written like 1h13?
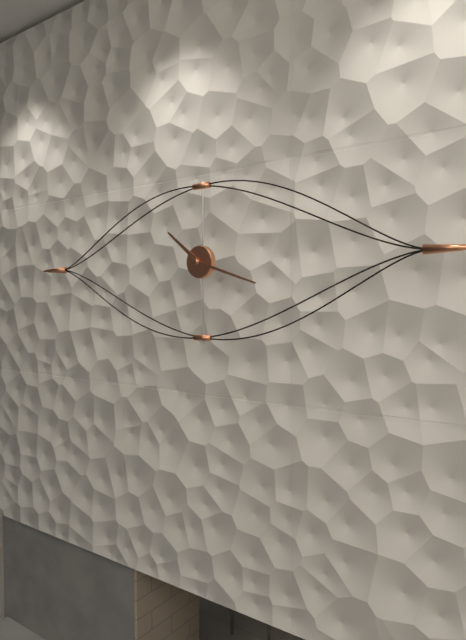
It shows 10h18
